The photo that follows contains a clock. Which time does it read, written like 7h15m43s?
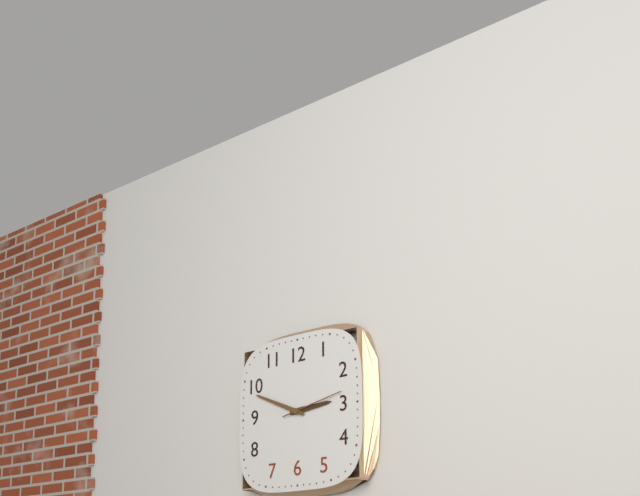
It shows 2h49m13s
